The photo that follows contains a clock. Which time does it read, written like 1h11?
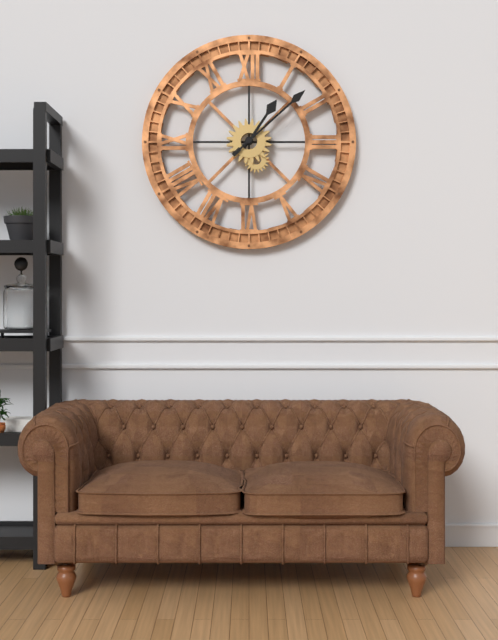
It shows 1h08
